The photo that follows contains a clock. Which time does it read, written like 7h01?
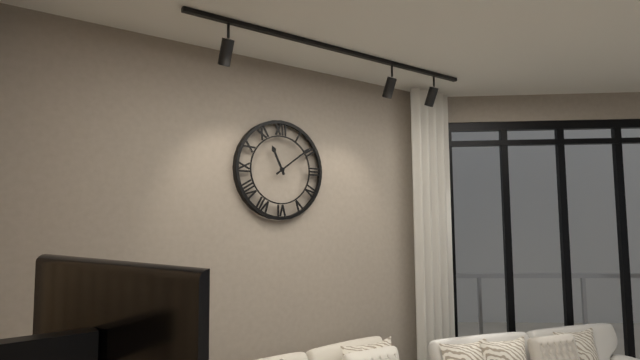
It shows 11h09
